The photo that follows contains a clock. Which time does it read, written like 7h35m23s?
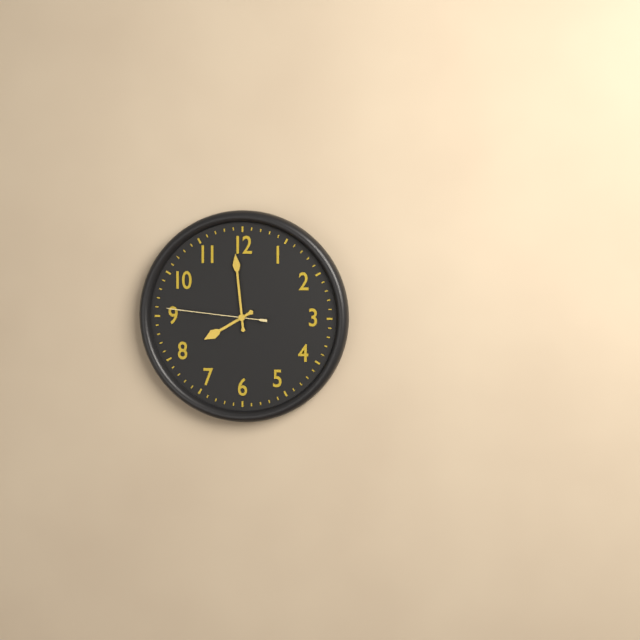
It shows 7h59m46s
